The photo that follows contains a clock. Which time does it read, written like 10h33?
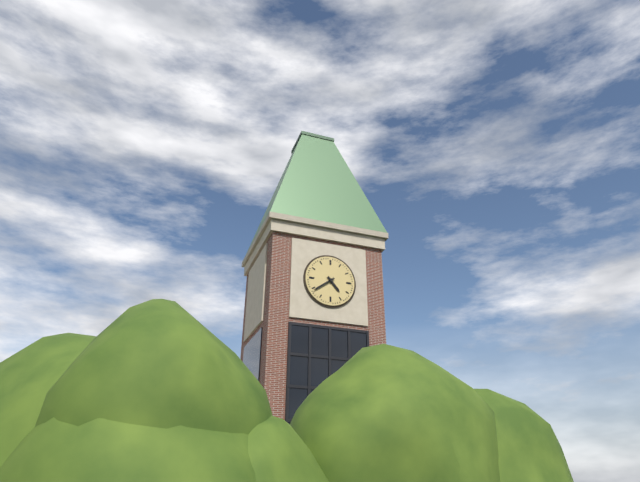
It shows 4h39
